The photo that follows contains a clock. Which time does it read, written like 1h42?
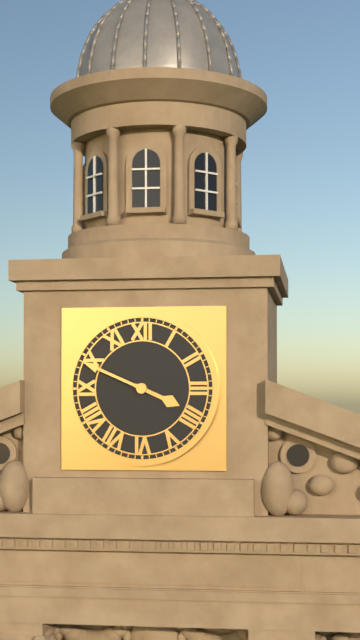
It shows 3h49
